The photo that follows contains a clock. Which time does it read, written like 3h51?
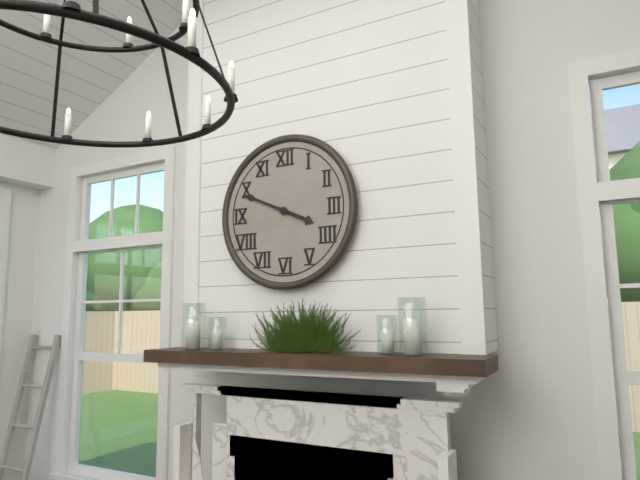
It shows 3h49
